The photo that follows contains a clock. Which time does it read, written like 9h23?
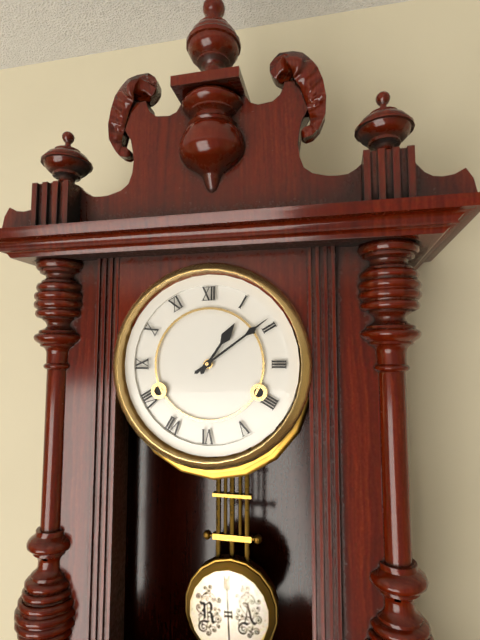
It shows 1h09
